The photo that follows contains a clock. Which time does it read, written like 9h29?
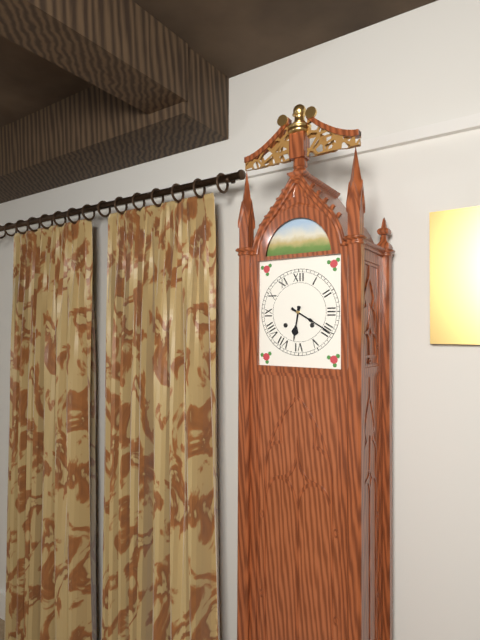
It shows 6h20
